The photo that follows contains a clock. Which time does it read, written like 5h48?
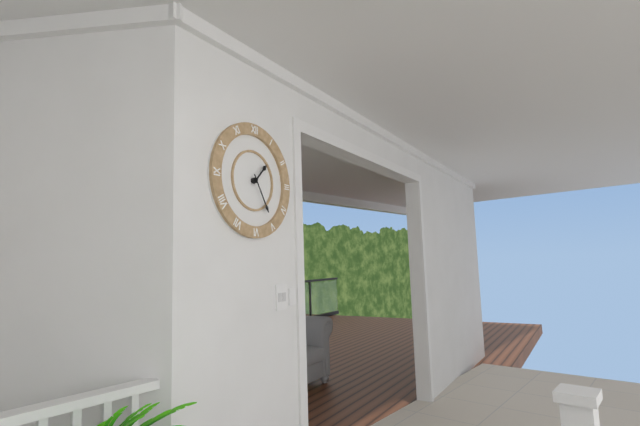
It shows 1h25
